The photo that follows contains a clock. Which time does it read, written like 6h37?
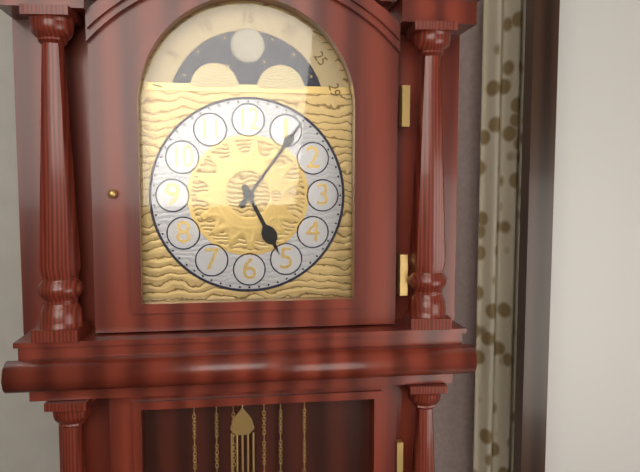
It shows 5h06
